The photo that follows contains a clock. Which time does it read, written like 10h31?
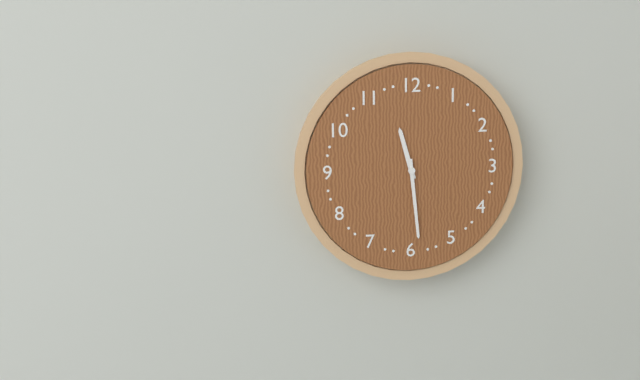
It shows 11h29
